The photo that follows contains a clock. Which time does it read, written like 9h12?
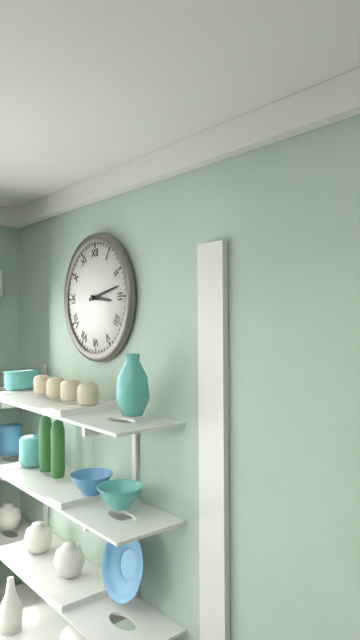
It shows 3h13
